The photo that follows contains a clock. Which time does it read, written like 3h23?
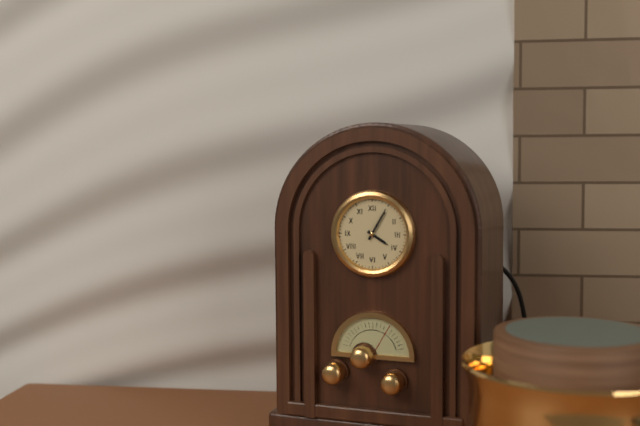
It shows 4h05
